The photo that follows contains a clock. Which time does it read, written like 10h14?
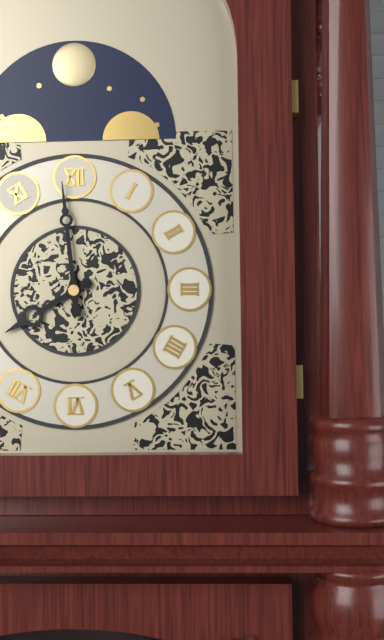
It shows 7h59
